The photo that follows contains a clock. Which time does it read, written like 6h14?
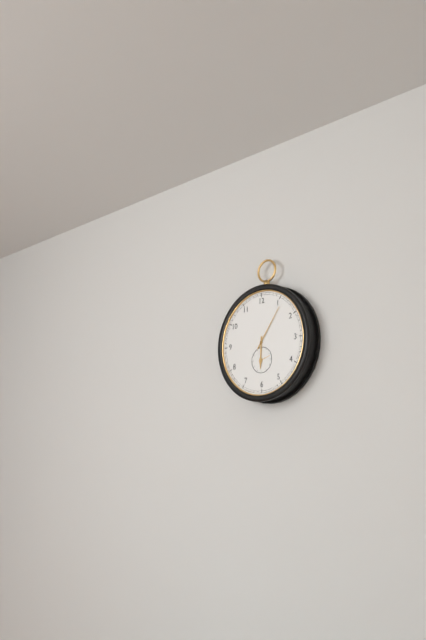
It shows 6h06
